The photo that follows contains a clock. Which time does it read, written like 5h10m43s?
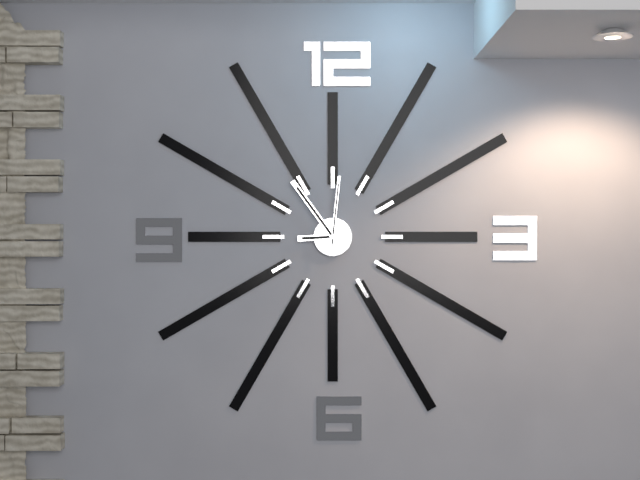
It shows 8h54m01s
